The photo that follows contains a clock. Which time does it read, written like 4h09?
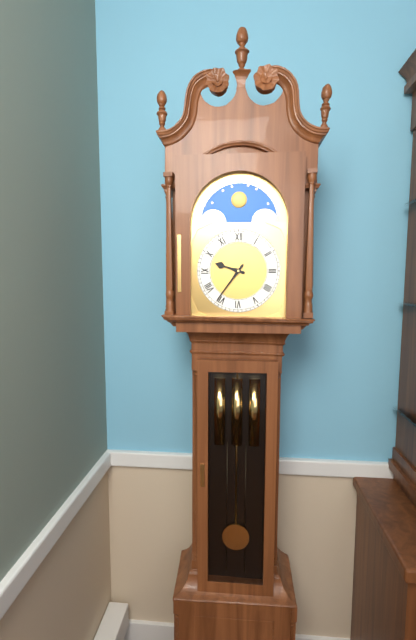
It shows 9h36
